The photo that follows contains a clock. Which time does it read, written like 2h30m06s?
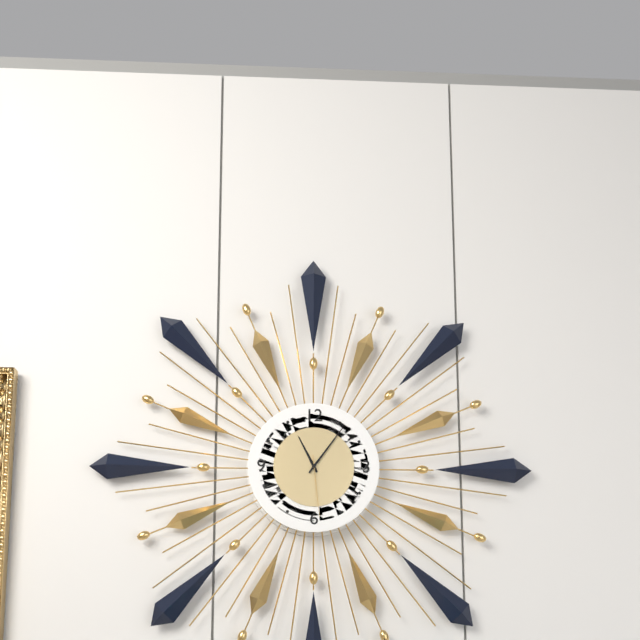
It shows 11h06m29s
